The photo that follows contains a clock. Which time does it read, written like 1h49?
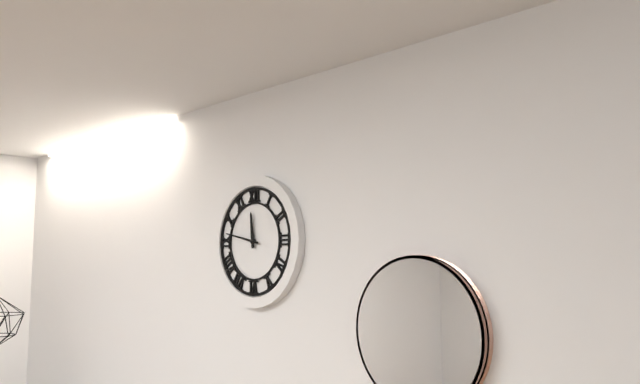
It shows 11h47
